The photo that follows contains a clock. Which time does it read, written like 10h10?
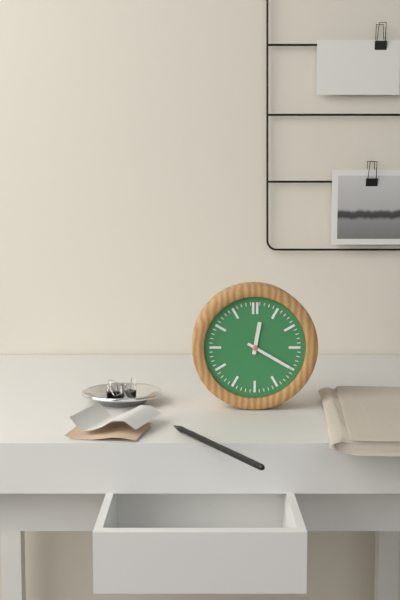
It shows 12h20
